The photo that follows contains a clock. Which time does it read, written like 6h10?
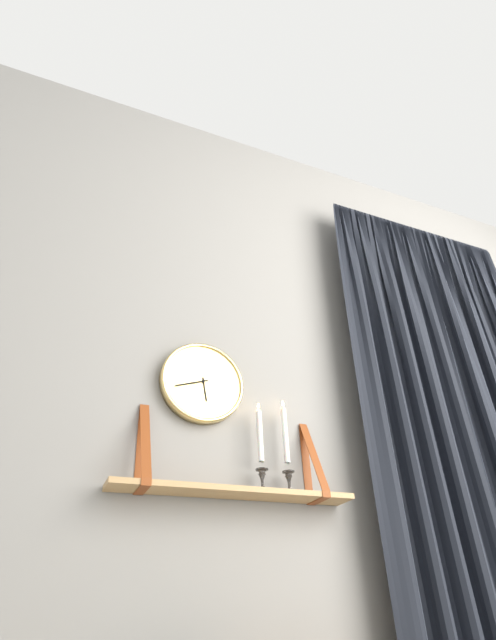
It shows 5h42
